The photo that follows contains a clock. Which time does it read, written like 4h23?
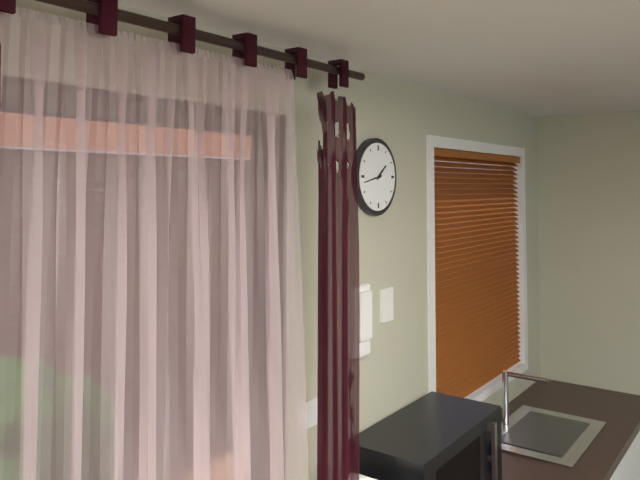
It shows 1h43
